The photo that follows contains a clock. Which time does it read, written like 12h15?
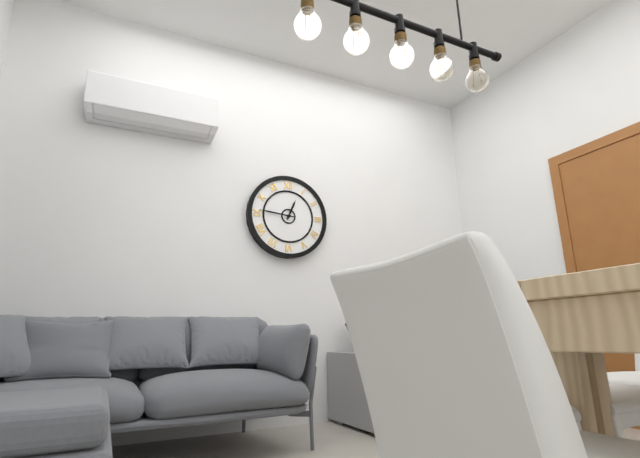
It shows 12h46
